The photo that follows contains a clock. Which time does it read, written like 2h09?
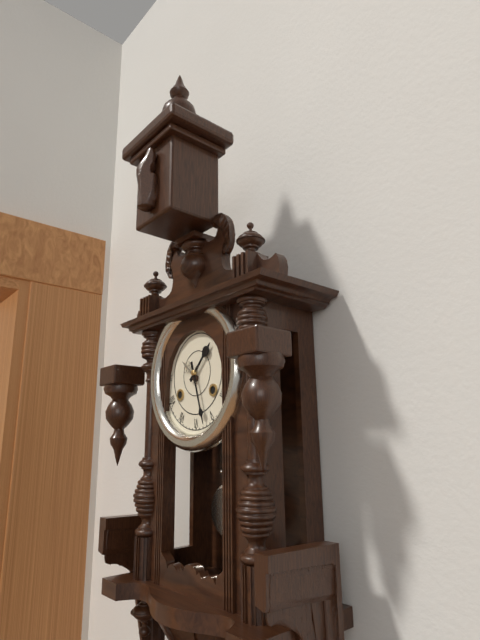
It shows 1h27
